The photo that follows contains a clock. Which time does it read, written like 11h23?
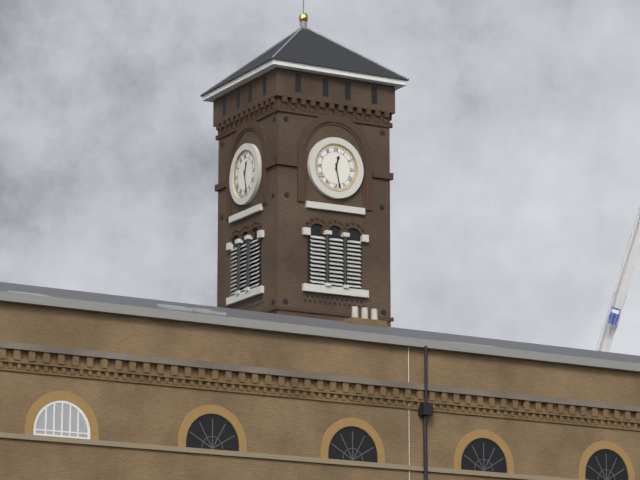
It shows 12h28
